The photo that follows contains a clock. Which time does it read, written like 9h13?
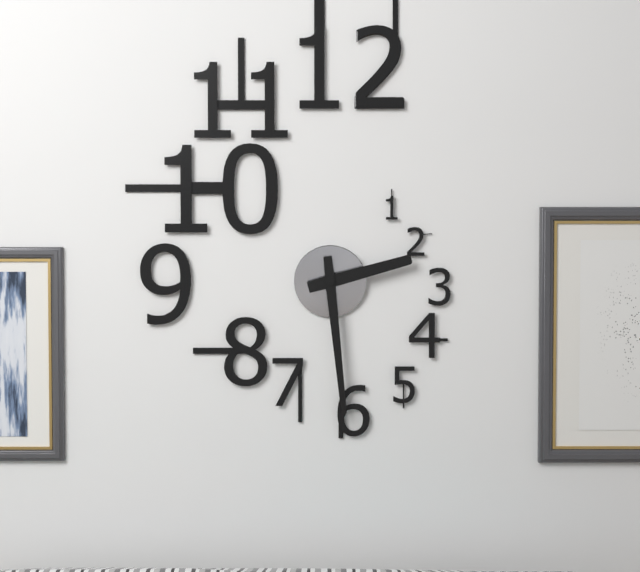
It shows 2h29
